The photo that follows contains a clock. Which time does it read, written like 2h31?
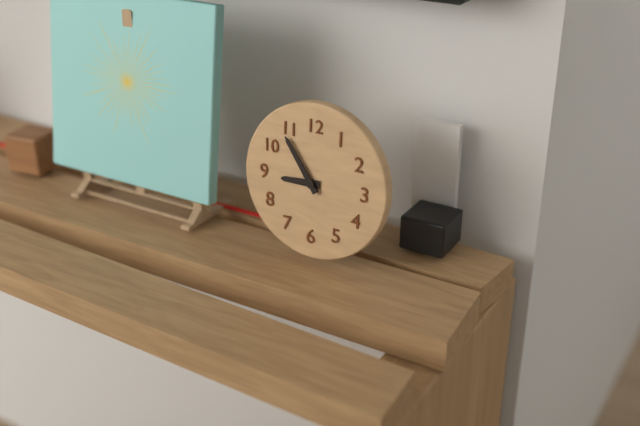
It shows 8h54
